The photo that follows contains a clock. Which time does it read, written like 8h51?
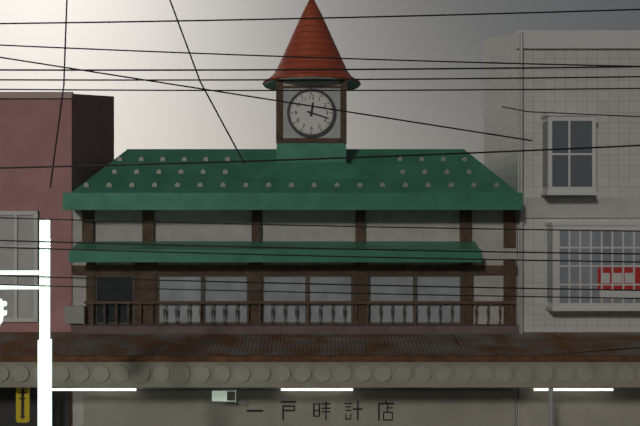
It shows 12h18
